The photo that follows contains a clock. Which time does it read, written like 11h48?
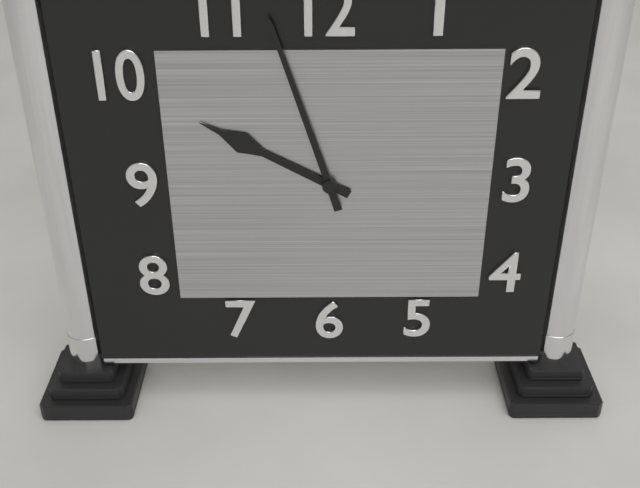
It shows 9h57
